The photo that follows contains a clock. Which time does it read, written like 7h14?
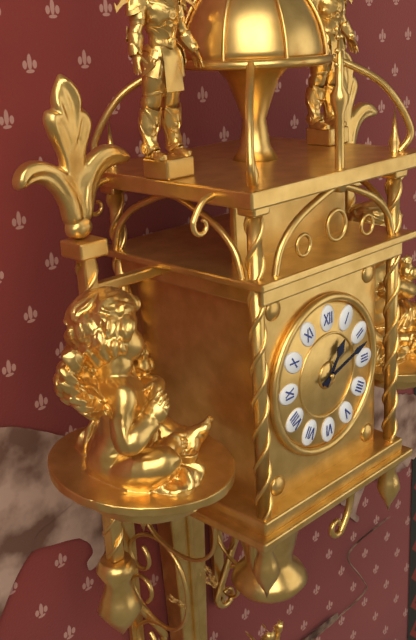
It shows 1h12
